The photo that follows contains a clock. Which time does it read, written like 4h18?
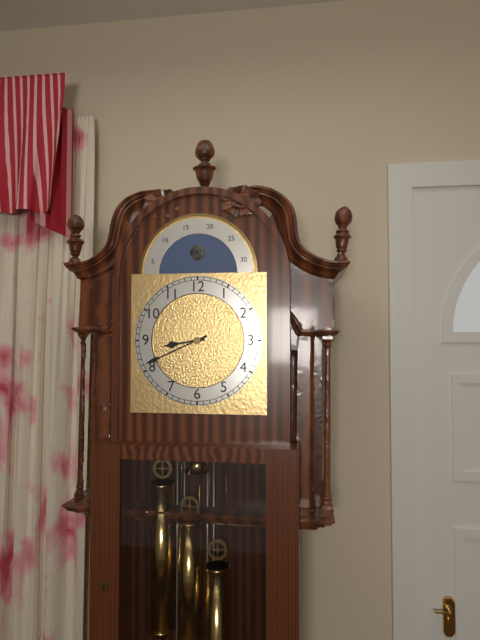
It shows 8h41
